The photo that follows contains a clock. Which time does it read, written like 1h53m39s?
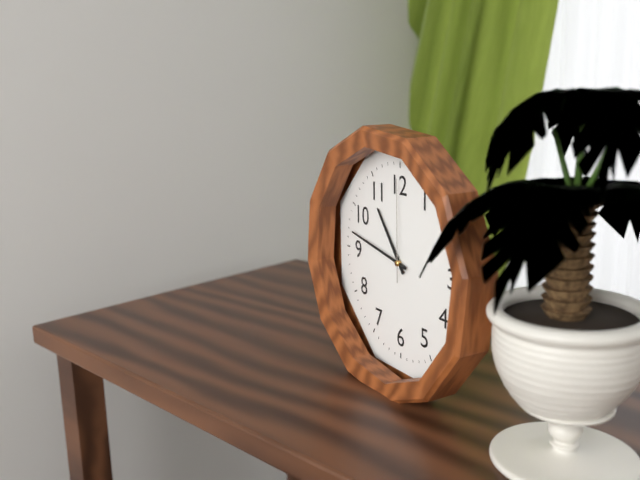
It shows 10h47m00s
